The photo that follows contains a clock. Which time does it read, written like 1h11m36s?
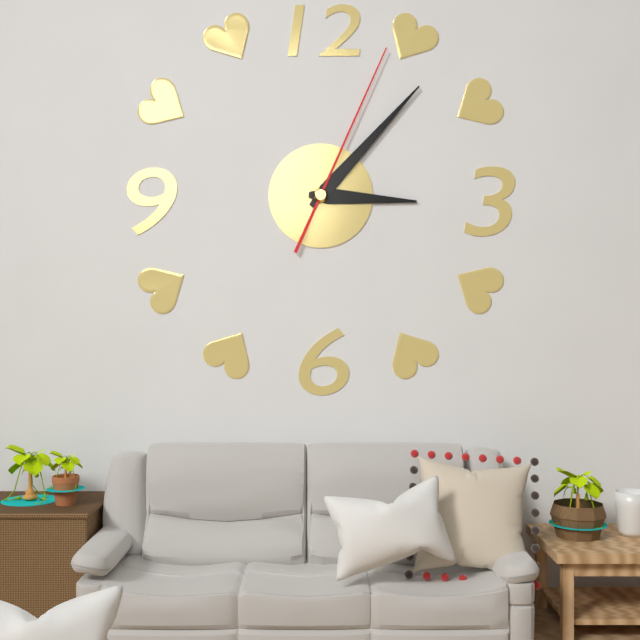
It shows 3h07m04s
